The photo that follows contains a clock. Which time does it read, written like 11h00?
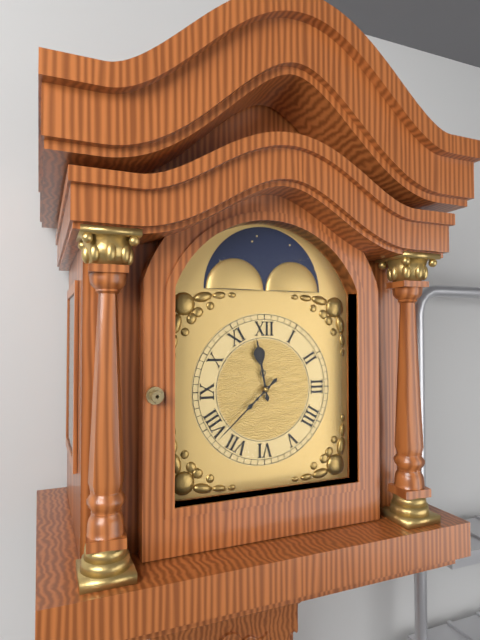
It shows 11h38
